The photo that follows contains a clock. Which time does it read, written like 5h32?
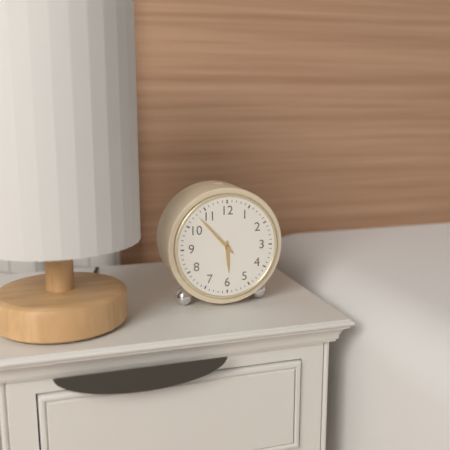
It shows 5h53
